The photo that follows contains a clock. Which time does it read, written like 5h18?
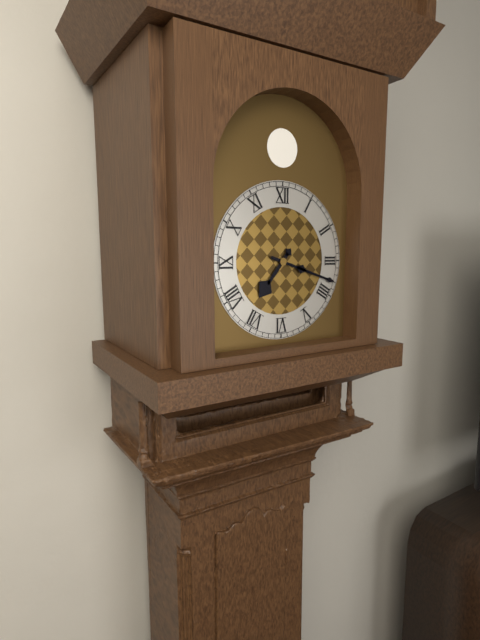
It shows 7h18
